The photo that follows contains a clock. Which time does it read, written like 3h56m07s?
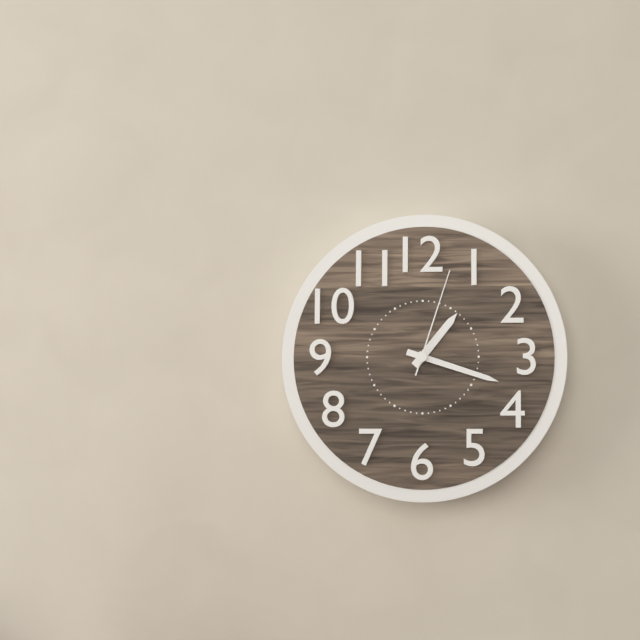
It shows 1h18m03s
